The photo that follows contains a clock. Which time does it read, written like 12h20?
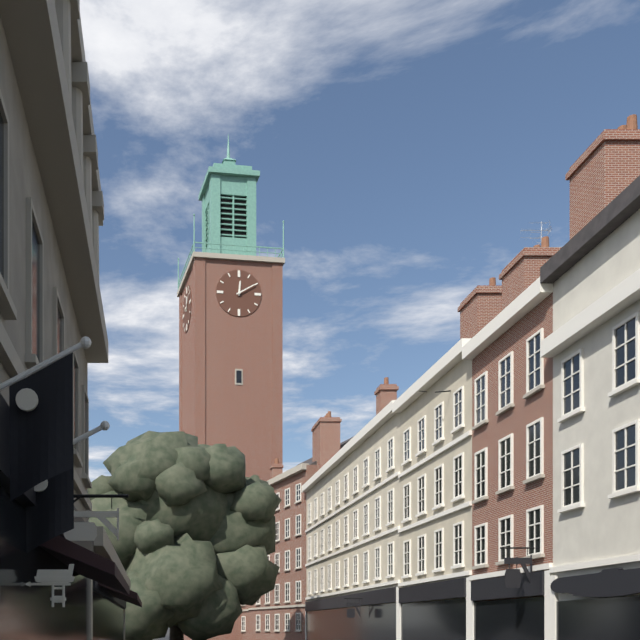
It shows 12h10
